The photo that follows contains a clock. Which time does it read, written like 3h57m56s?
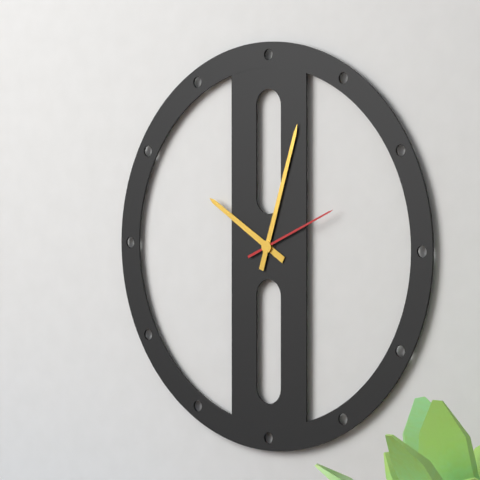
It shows 10h03m11s
